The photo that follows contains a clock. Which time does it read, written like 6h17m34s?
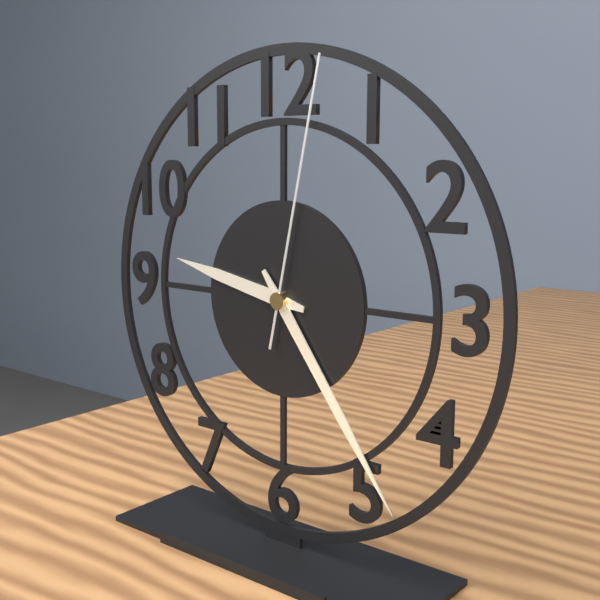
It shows 9h24m02s
